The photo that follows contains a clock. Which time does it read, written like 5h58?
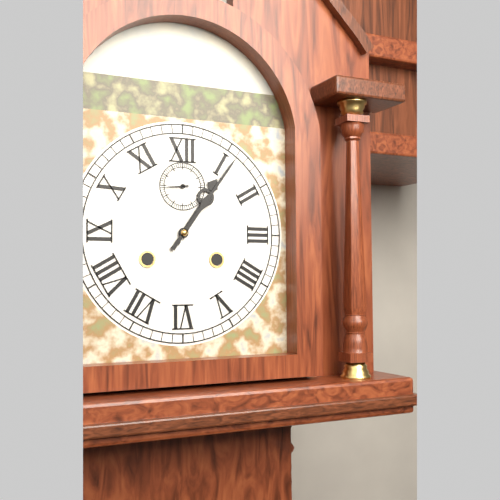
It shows 1h06
